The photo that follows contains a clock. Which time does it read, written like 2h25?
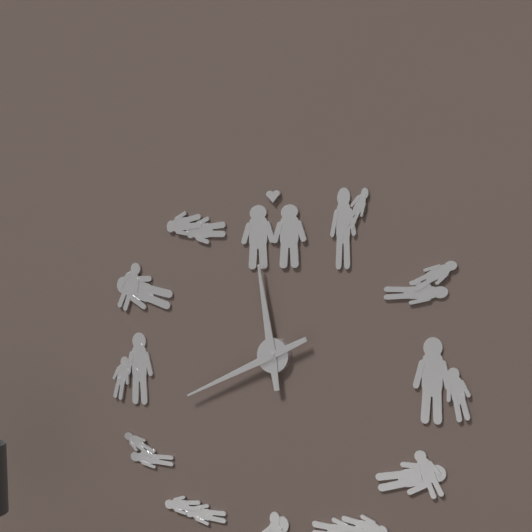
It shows 11h41
